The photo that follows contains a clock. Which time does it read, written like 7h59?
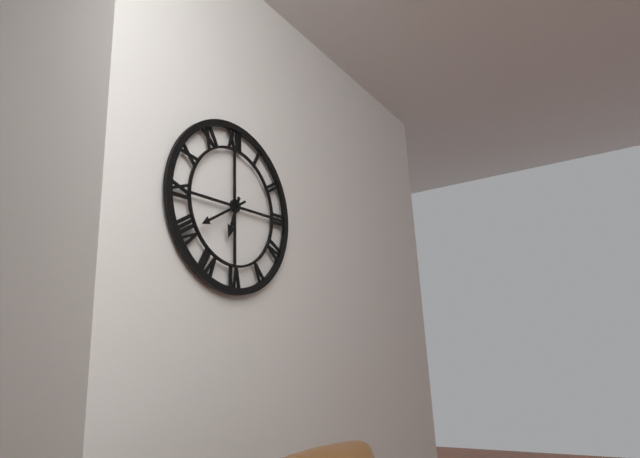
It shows 6h40
